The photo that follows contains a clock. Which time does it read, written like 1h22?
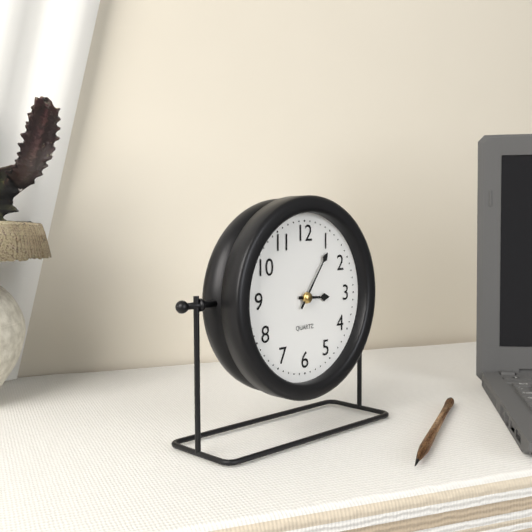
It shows 3h06
